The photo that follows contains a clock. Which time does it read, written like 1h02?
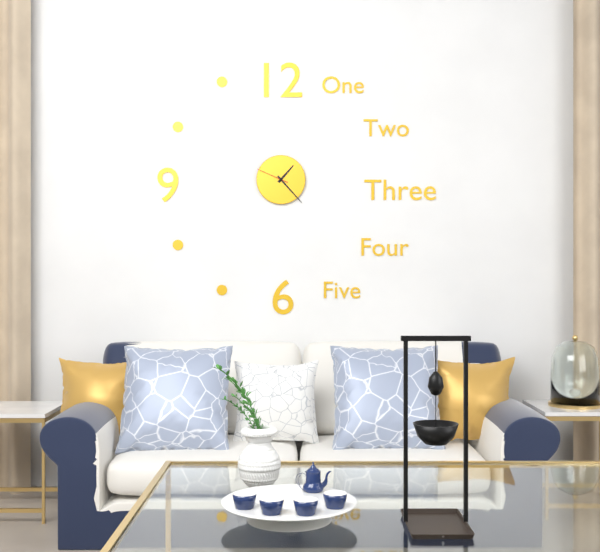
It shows 1h23
